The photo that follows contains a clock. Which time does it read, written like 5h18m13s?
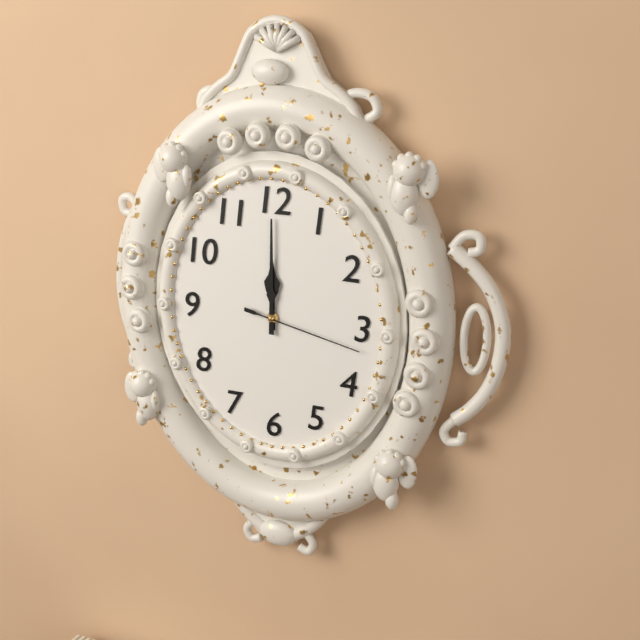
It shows 12h00m17s
